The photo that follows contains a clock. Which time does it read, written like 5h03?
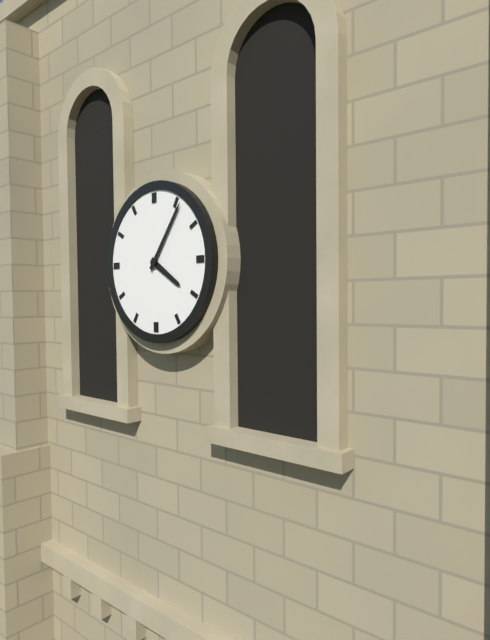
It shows 4h06
